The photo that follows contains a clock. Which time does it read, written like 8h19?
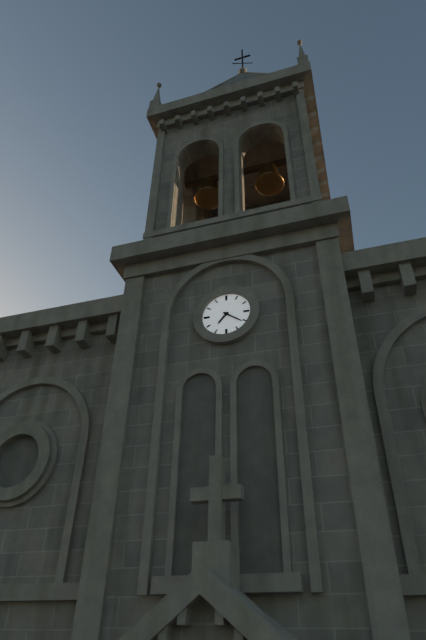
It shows 7h21
